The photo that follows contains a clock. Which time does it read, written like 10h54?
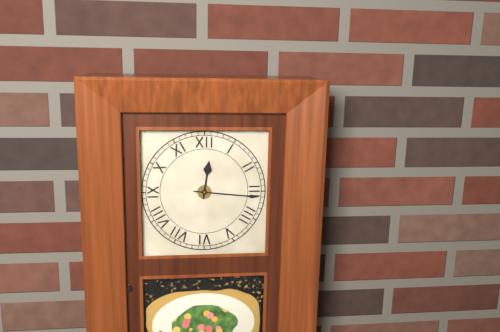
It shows 12h16
